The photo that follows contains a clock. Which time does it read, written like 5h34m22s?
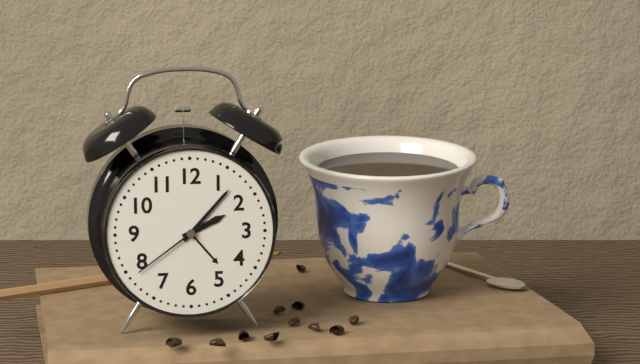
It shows 2h07m39s
